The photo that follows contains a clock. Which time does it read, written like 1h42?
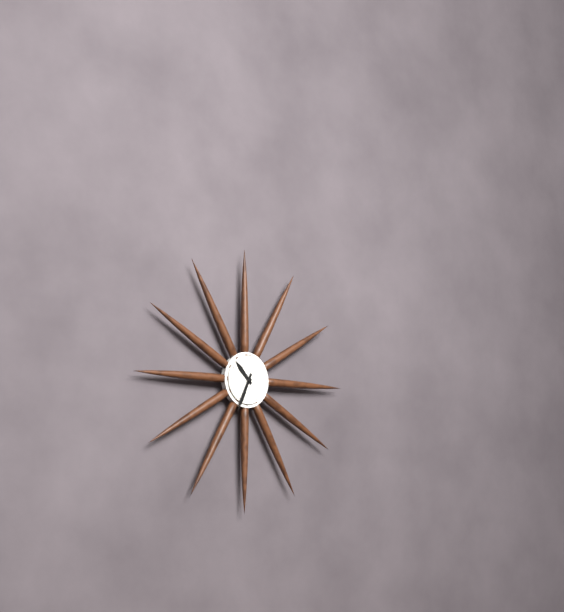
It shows 10h34
